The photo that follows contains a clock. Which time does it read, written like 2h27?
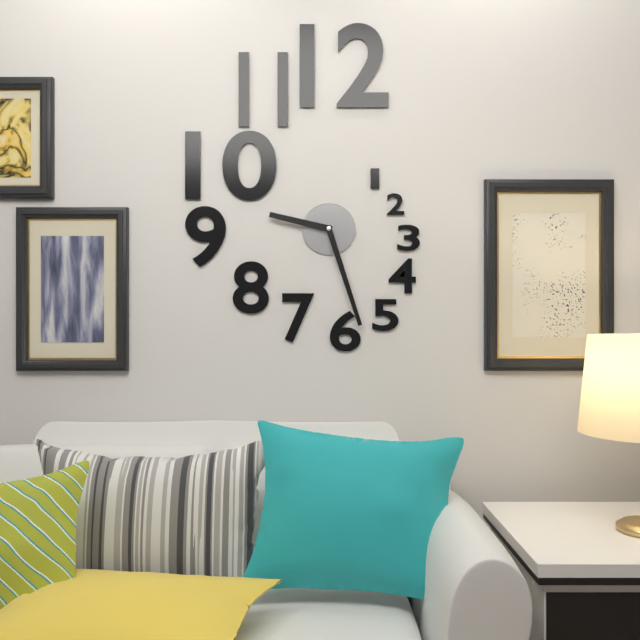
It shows 9h27
